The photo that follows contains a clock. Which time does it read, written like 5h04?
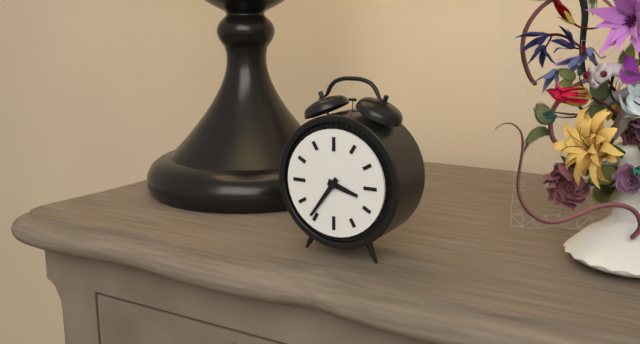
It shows 3h36
